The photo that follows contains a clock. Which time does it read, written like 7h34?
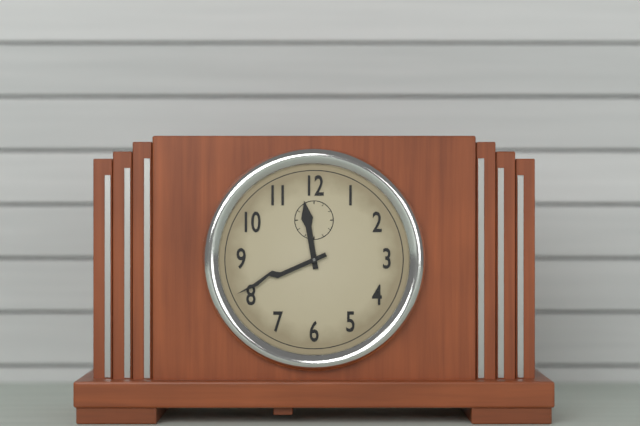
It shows 11h41
